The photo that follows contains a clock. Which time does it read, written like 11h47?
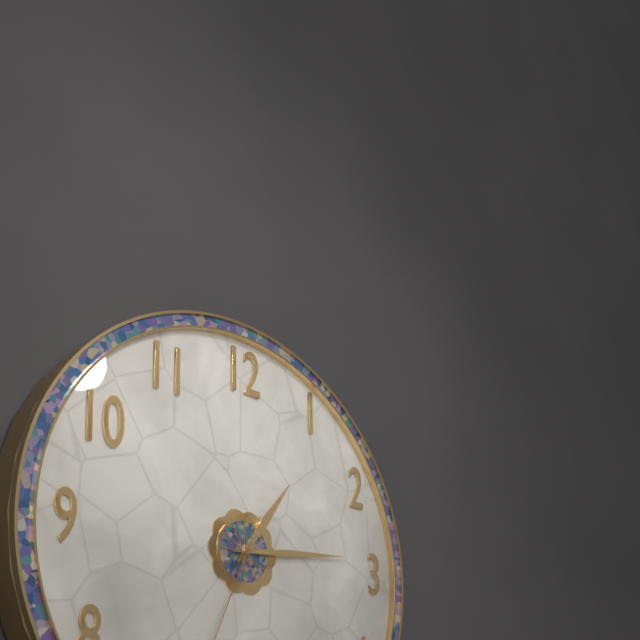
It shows 1h14
